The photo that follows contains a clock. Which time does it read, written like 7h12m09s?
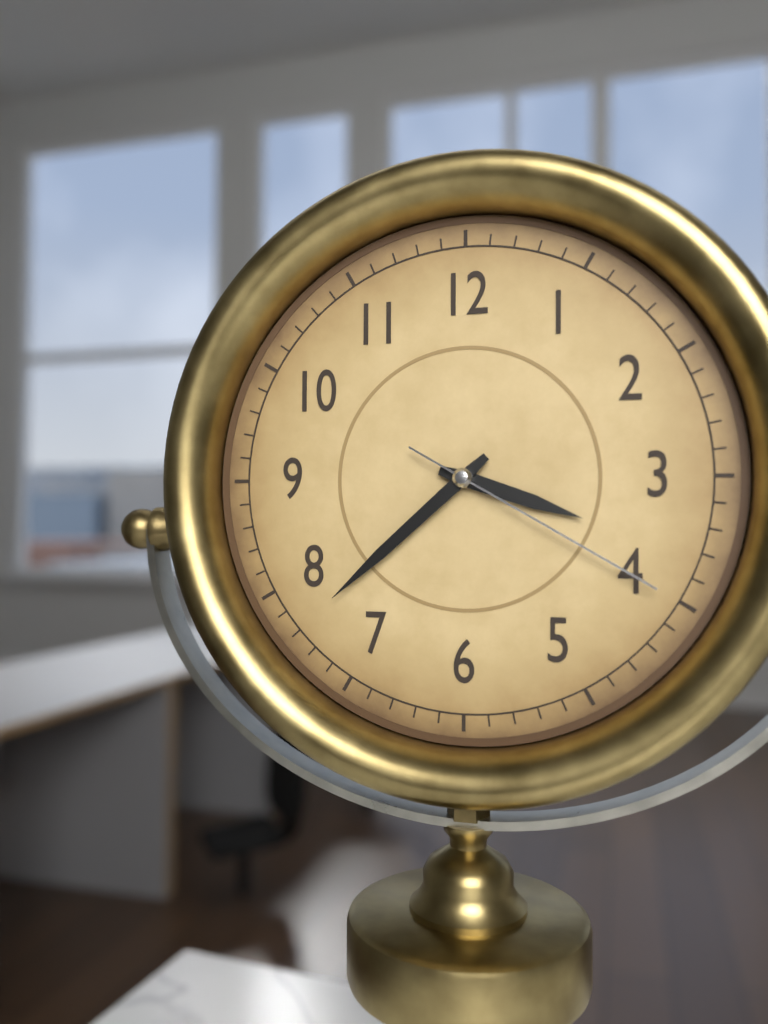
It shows 3h38m20s
